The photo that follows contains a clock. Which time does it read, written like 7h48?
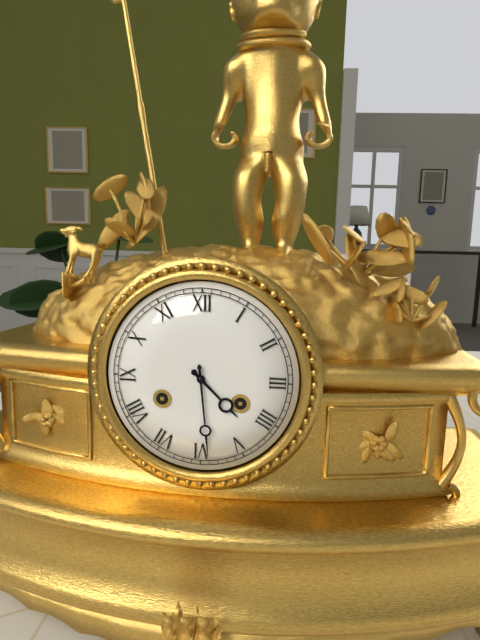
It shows 4h29
